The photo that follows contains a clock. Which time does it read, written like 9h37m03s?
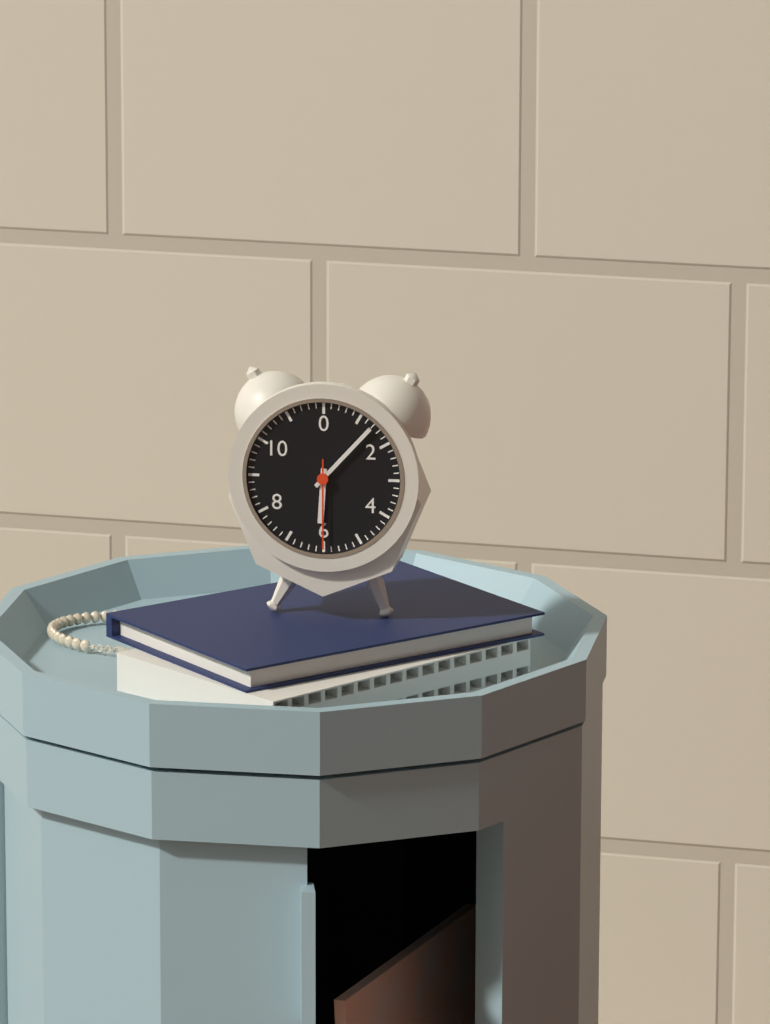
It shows 6h07m30s
